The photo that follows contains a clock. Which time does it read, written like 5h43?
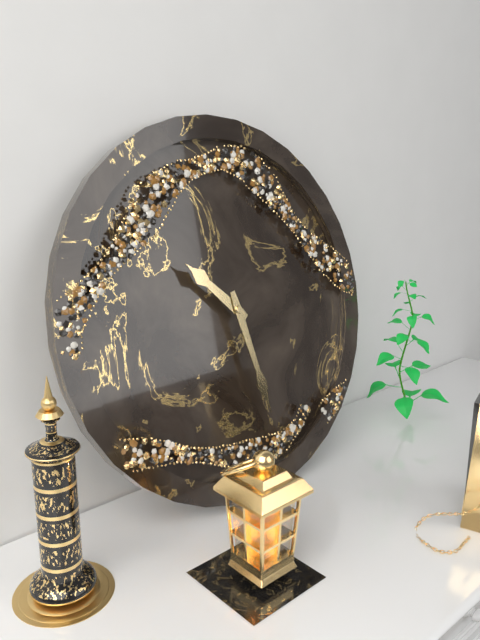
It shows 10h28
